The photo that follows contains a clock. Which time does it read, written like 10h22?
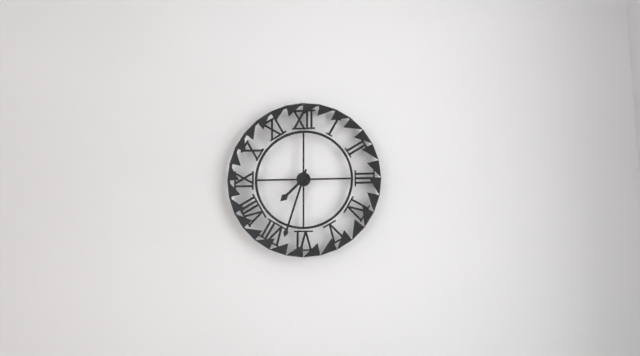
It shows 7h33
